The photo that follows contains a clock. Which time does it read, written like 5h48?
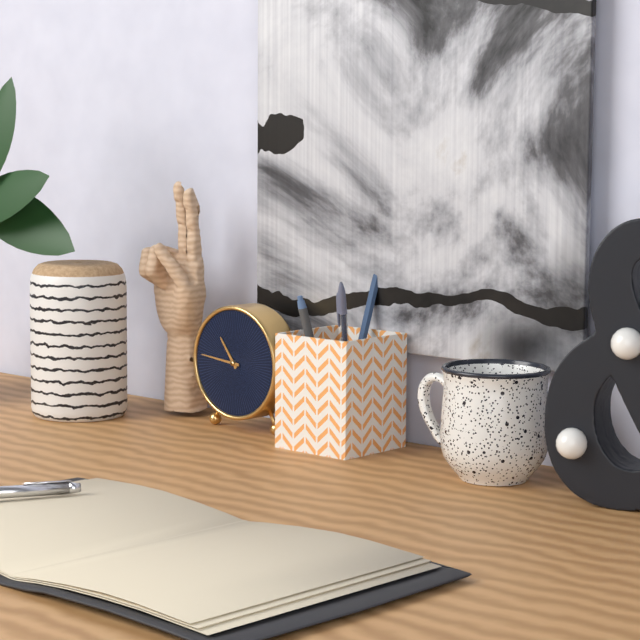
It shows 10h46
